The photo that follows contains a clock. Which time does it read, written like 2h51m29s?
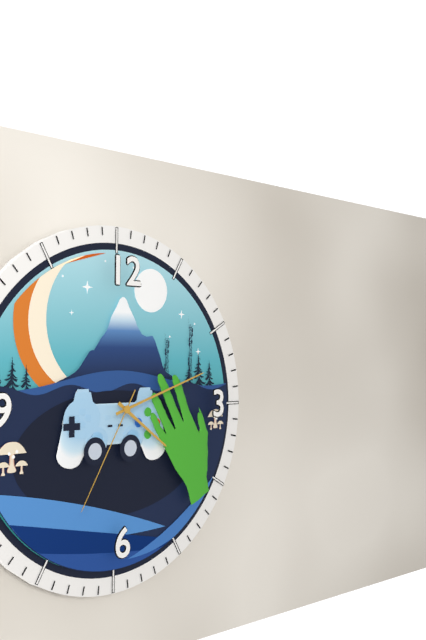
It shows 4h12m35s
